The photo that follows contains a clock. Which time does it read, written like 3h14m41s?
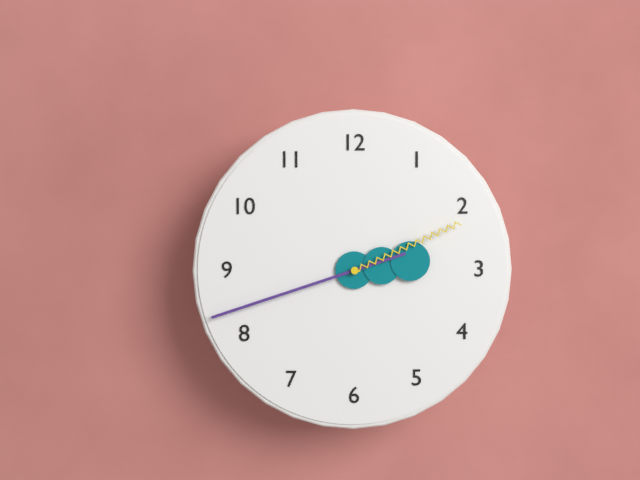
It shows 2h42m11s
